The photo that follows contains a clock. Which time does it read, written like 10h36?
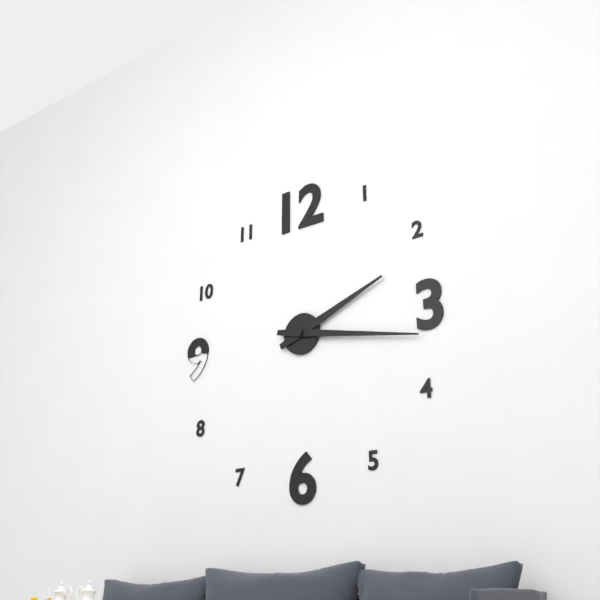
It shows 2h17
